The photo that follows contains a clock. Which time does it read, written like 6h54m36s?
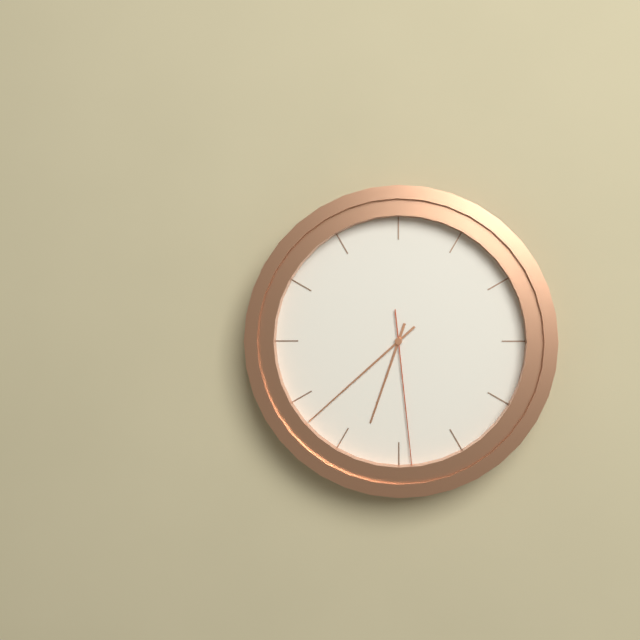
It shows 6h38m29s
